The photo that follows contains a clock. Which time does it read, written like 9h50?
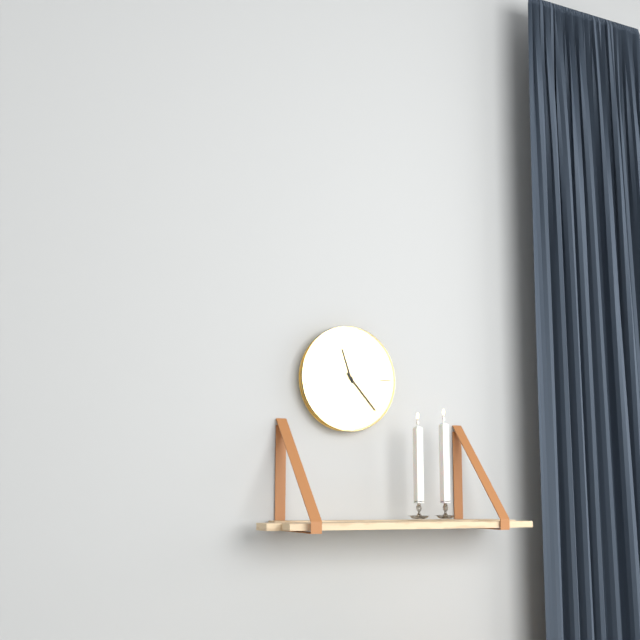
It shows 11h23
